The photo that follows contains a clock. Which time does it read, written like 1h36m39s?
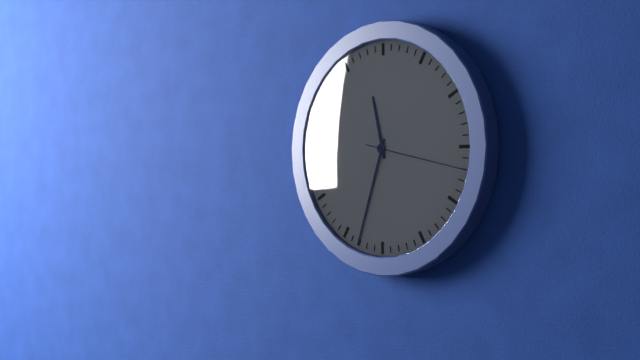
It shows 11h33m17s
